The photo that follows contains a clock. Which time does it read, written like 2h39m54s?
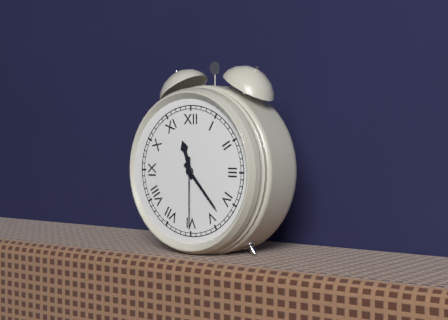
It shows 11h23m30s
